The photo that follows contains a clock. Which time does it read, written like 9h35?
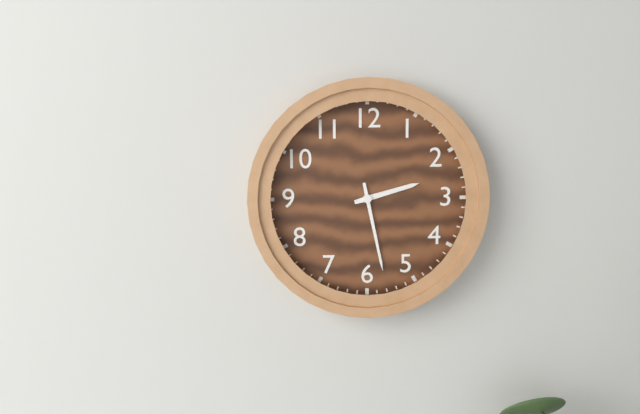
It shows 2h28
